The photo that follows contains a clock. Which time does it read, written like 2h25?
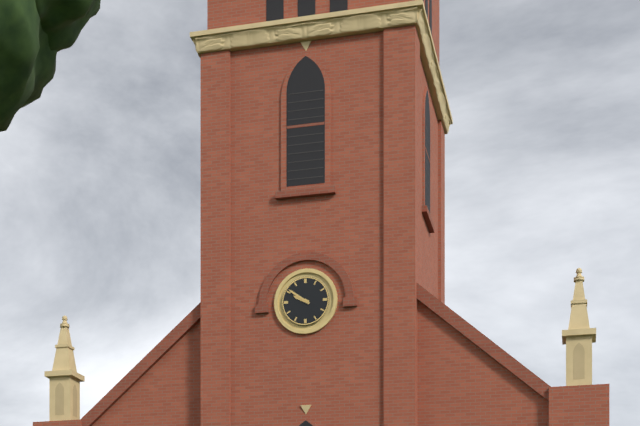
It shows 9h51
